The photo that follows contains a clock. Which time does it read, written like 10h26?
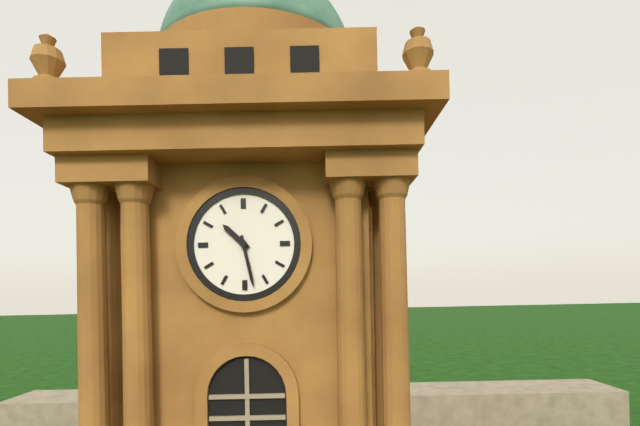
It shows 10h28
